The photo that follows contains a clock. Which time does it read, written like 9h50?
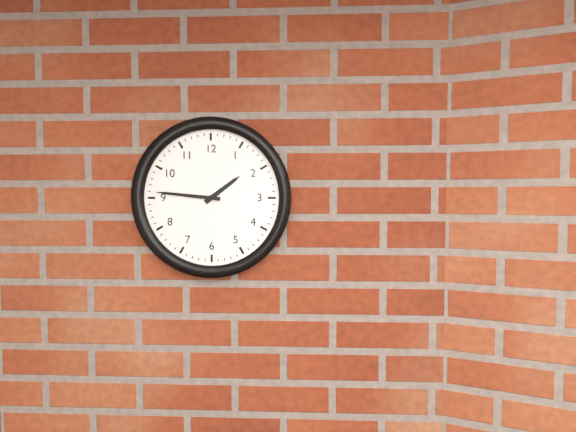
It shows 1h46
